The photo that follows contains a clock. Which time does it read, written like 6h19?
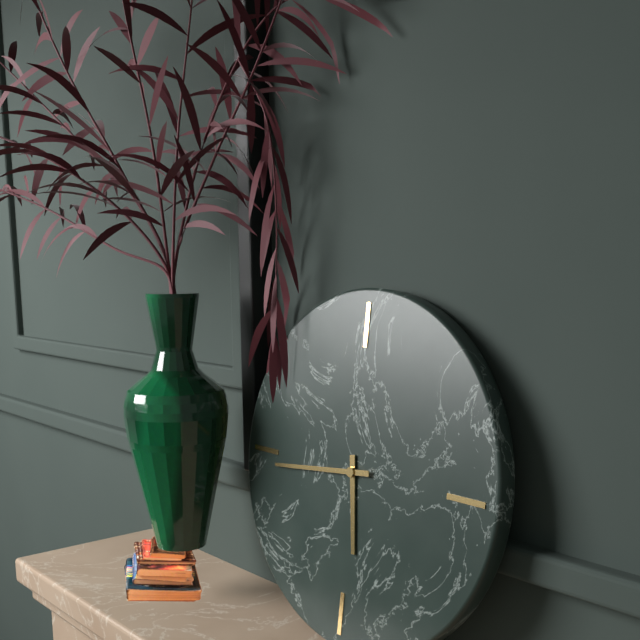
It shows 5h44
